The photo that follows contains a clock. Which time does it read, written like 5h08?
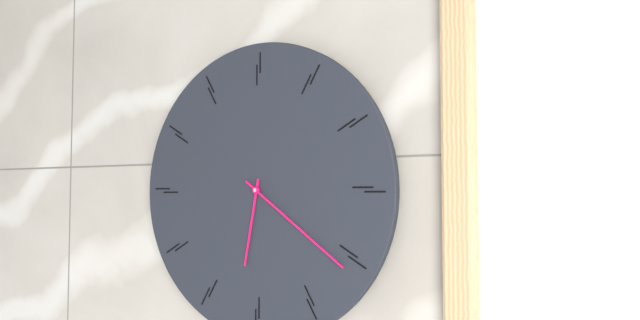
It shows 6h21
